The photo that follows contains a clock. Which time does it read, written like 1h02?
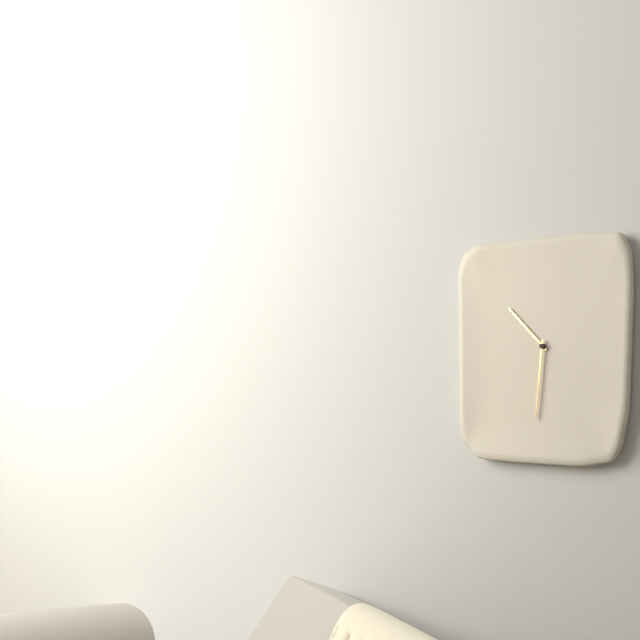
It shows 10h31
